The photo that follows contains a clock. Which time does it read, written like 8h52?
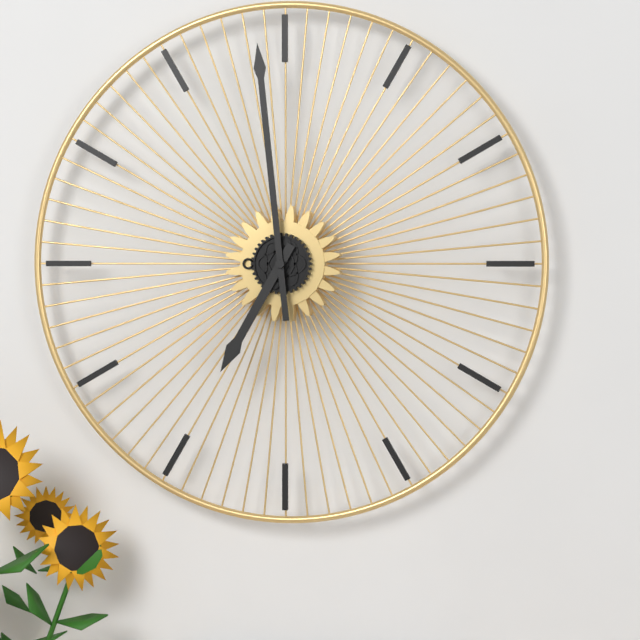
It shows 6h59
